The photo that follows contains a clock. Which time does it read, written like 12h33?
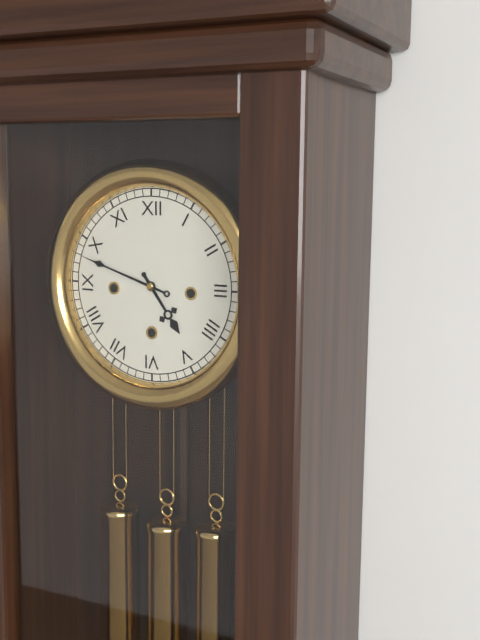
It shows 4h48
